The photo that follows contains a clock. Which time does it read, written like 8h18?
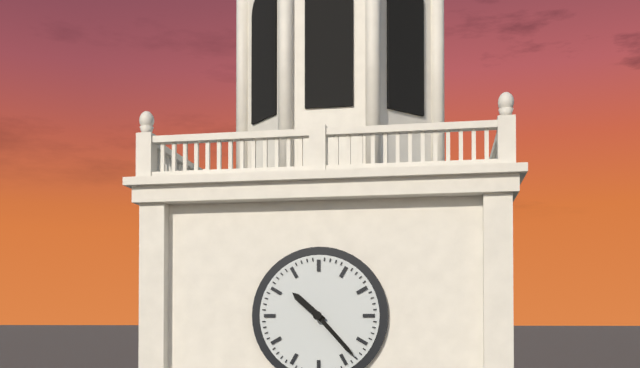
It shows 10h23
